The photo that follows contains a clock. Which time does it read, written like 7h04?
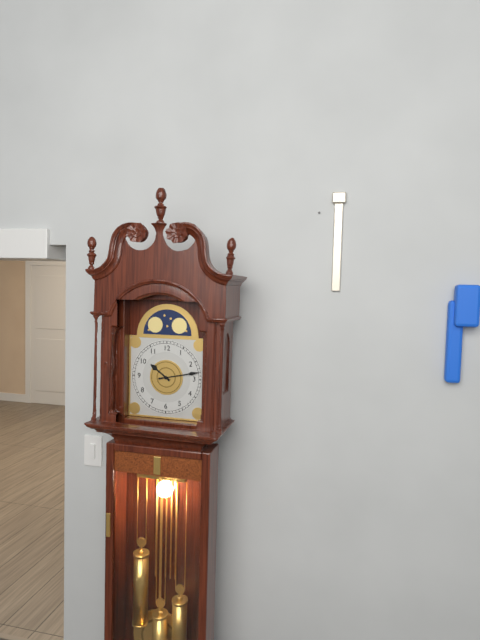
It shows 10h13
